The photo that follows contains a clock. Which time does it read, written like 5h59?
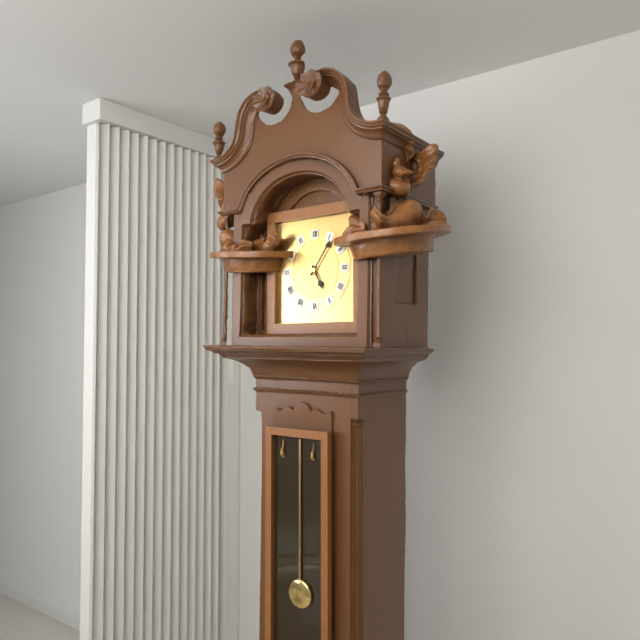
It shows 5h06
